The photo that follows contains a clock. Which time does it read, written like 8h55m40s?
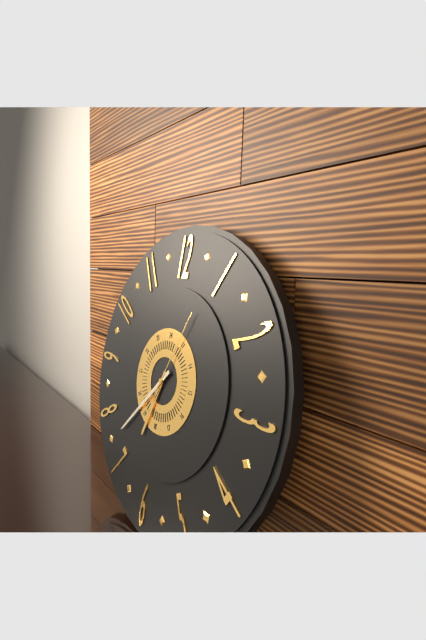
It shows 6h37m04s
